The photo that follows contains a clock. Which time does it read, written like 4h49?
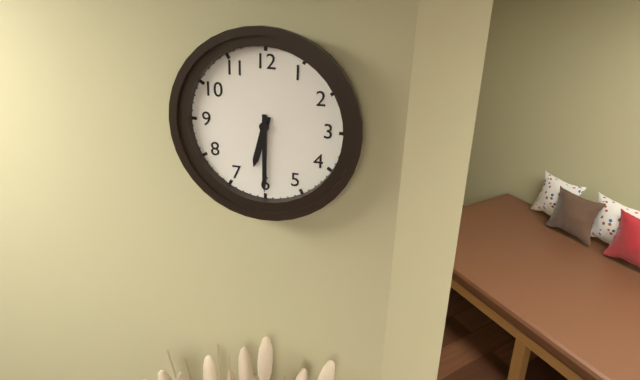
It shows 6h30
